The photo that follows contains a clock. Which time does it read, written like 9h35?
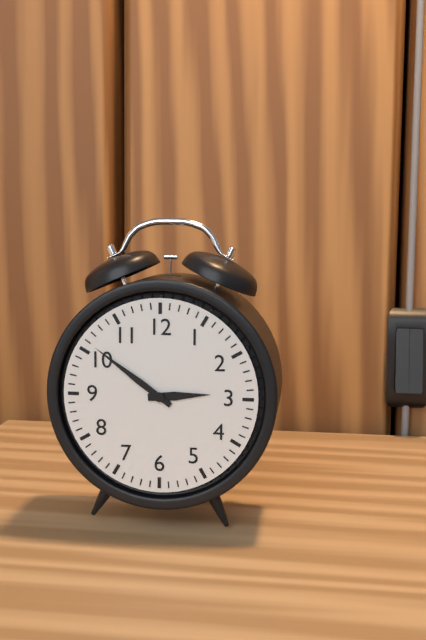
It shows 2h51
